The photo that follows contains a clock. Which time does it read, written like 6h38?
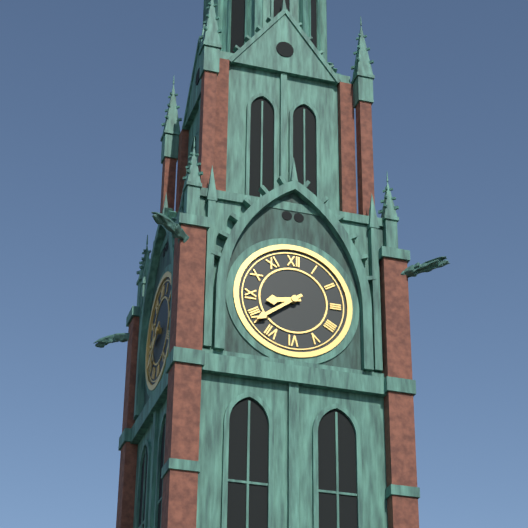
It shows 8h39
